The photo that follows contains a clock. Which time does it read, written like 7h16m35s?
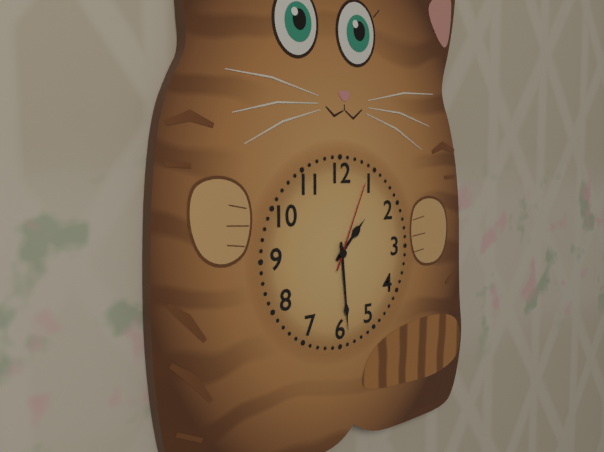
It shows 1h29m04s
